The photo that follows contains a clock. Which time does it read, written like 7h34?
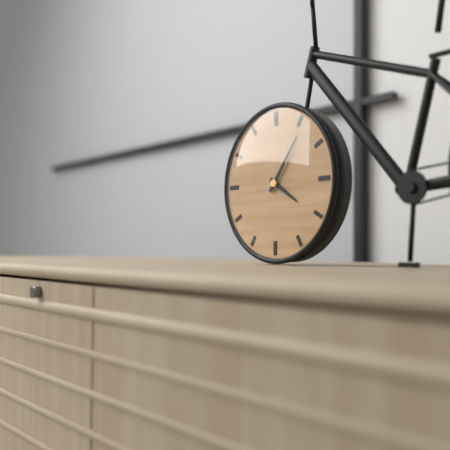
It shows 4h06
